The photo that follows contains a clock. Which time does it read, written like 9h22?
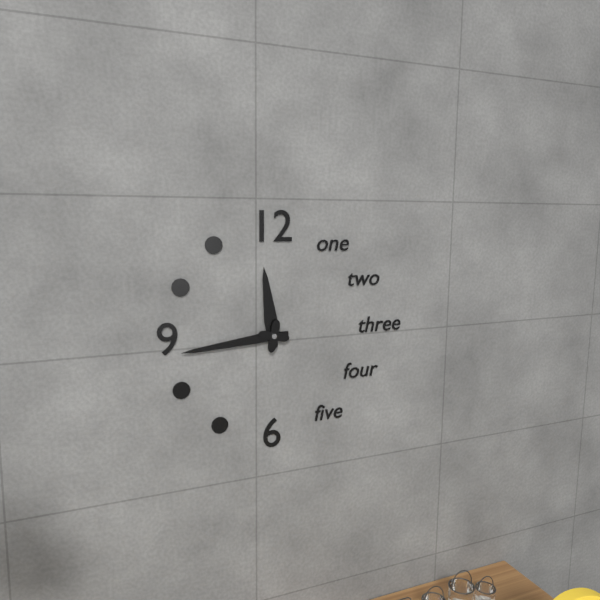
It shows 11h44
